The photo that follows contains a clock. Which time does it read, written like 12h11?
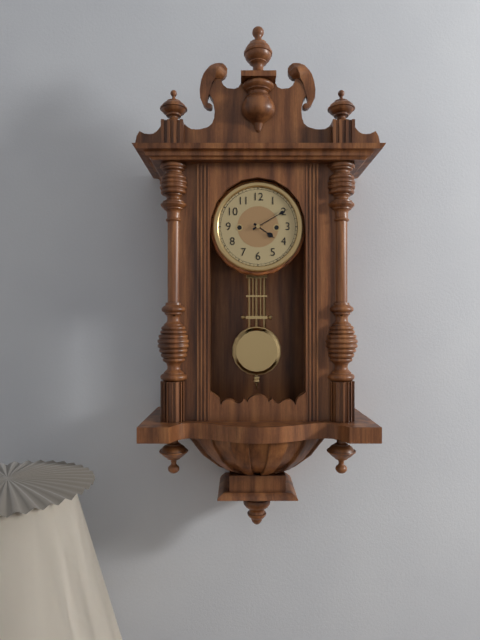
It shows 4h10
